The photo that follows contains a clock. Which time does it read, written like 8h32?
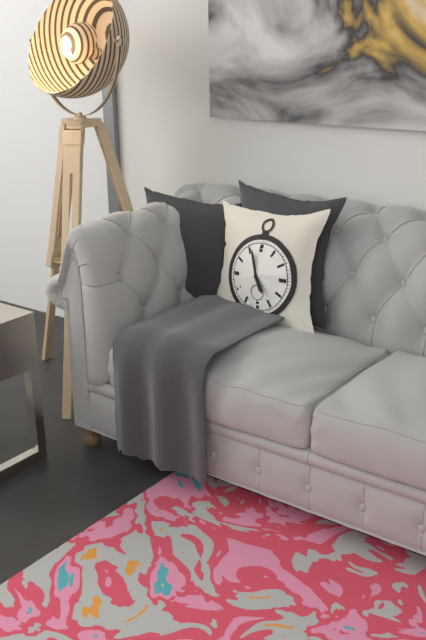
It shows 4h57
